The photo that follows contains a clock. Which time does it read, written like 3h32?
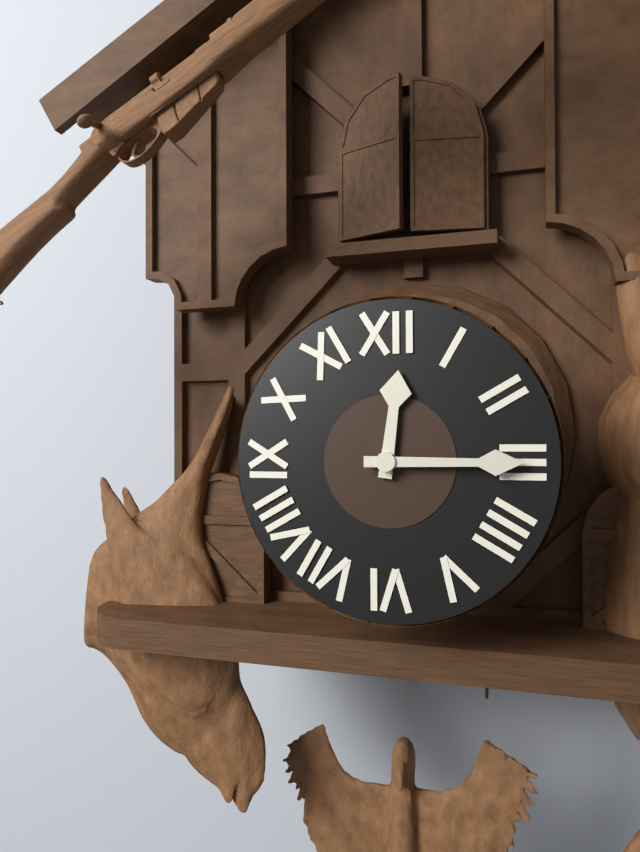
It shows 12h15
